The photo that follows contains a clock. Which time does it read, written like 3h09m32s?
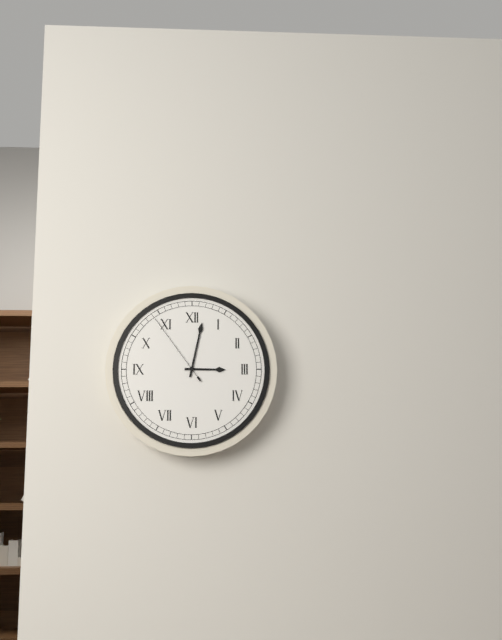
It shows 3h02m54s
